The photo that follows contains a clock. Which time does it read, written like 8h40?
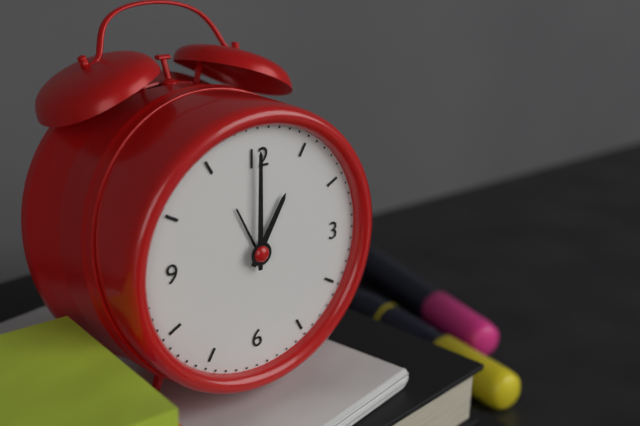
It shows 1h00
